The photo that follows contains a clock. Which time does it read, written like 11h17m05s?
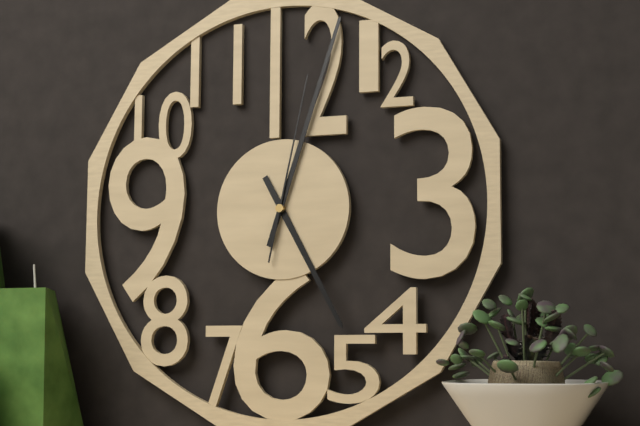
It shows 5h03m02s
